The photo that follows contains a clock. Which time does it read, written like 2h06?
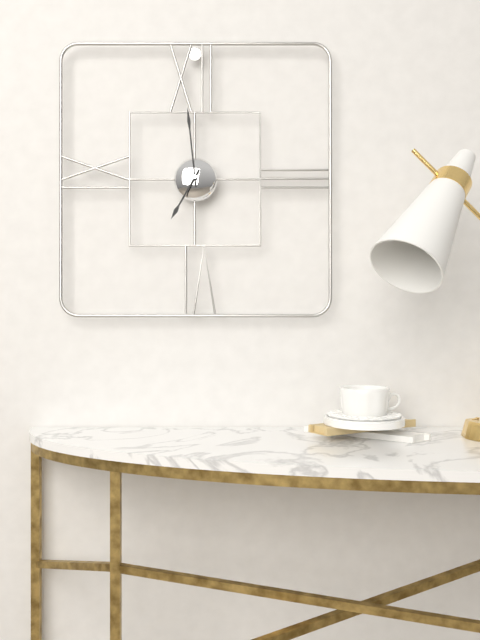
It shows 6h59
